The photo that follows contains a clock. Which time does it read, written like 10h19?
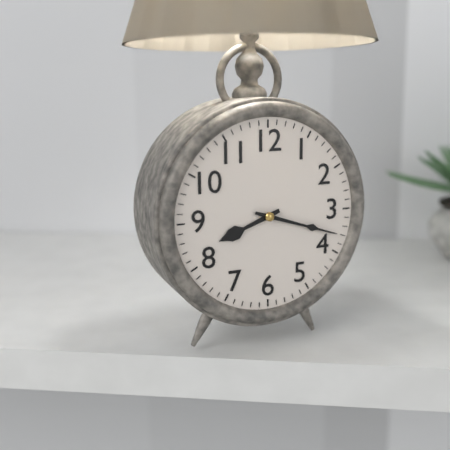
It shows 8h18
